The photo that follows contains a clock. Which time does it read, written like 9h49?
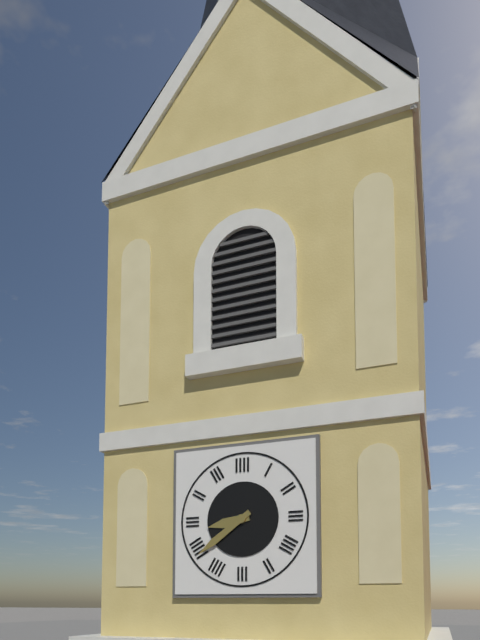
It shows 8h39
